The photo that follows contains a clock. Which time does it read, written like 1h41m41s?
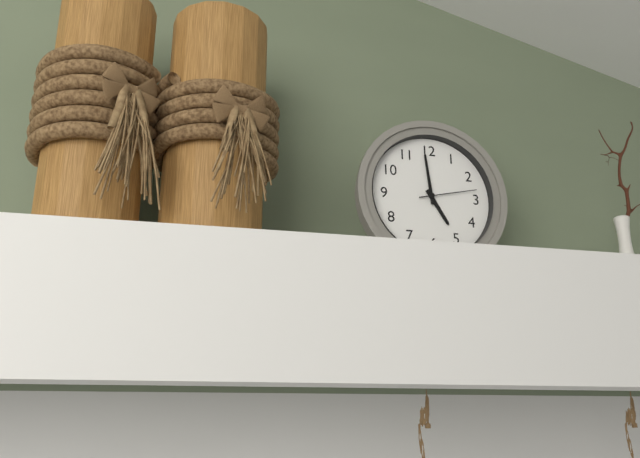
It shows 4h59m13s
